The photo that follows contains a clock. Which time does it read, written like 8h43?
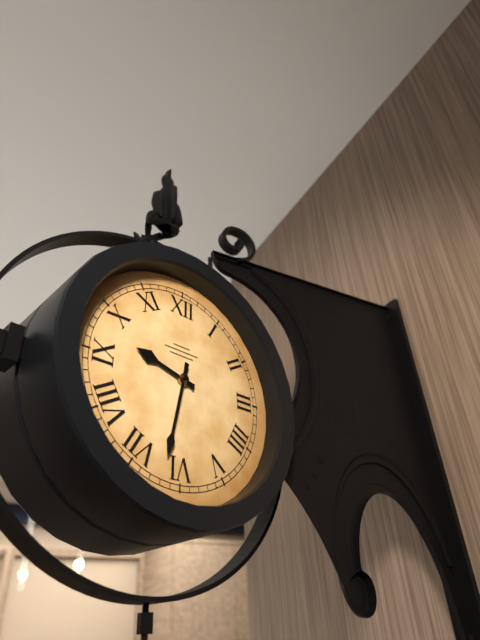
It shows 9h32
